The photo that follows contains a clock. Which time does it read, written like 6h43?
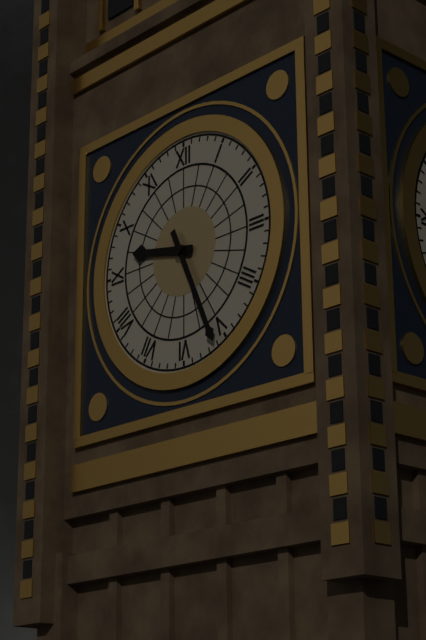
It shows 9h26
